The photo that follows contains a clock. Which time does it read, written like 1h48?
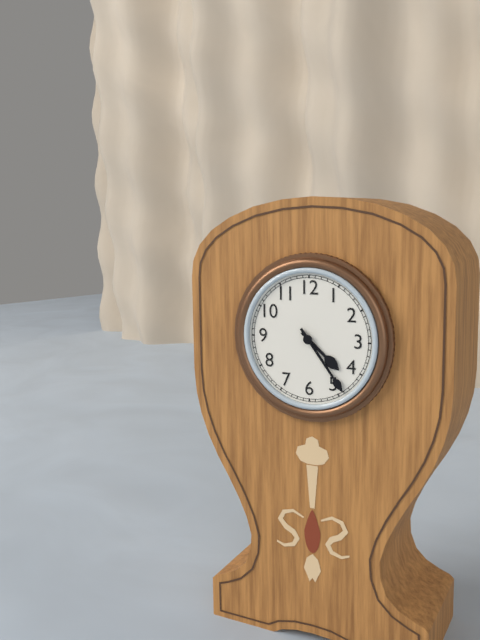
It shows 4h24
